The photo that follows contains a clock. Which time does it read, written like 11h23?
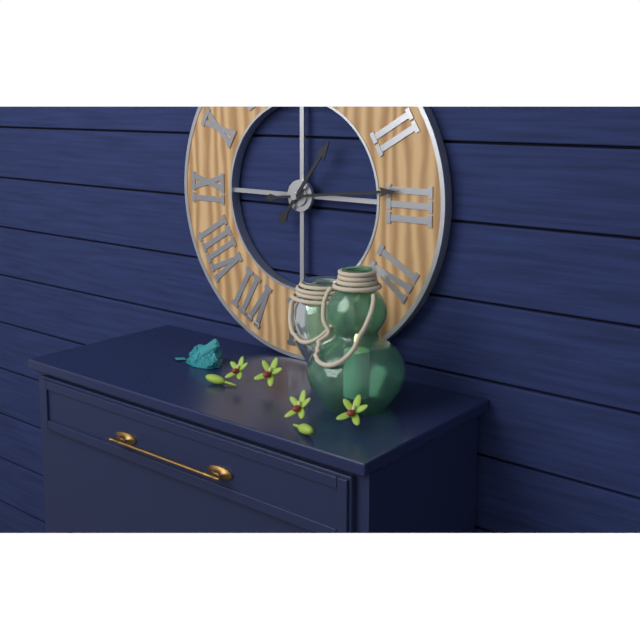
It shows 1h14
